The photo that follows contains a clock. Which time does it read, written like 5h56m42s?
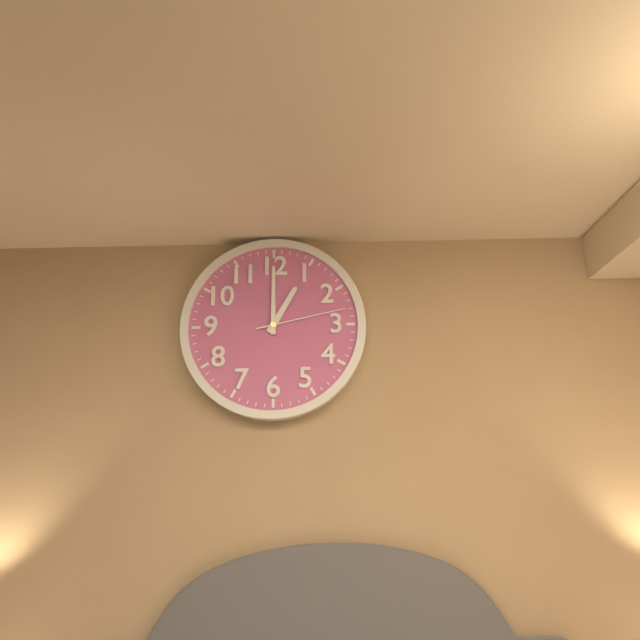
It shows 1h00m13s
